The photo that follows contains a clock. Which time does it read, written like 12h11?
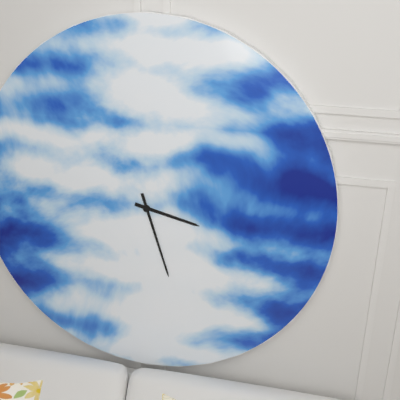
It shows 3h27
